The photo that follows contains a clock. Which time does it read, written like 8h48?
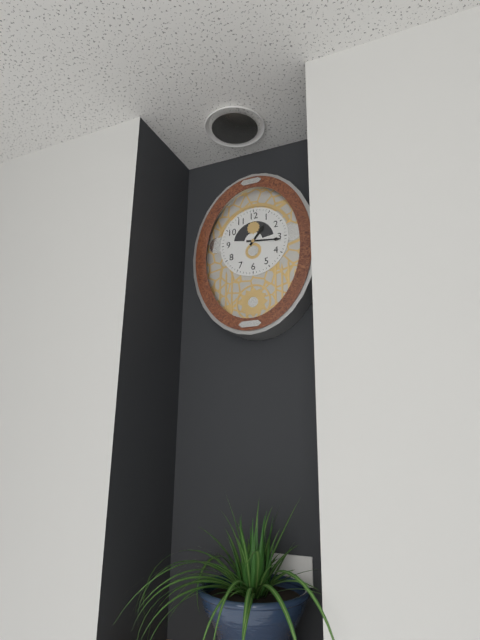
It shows 1h16
